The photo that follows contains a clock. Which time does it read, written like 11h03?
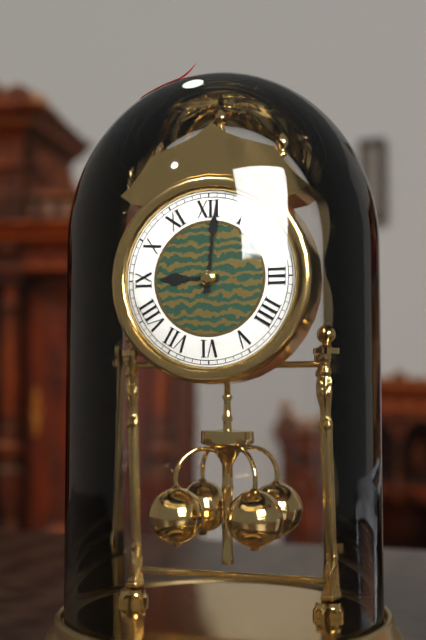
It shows 9h01
